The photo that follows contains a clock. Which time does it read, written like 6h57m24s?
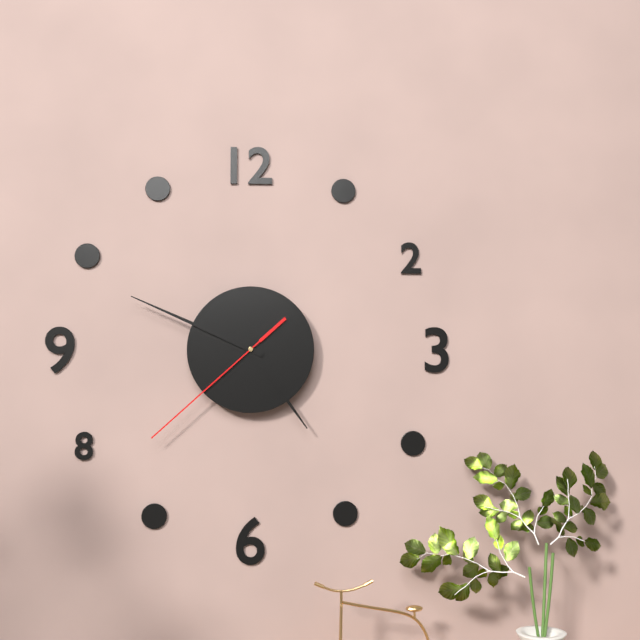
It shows 4h49m38s
